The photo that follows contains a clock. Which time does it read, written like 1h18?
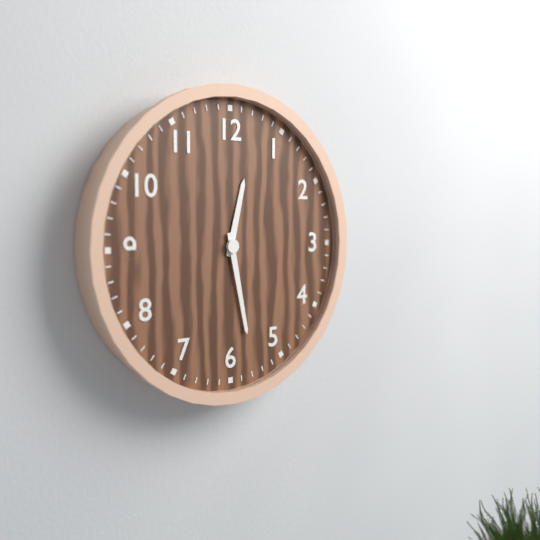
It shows 12h28
